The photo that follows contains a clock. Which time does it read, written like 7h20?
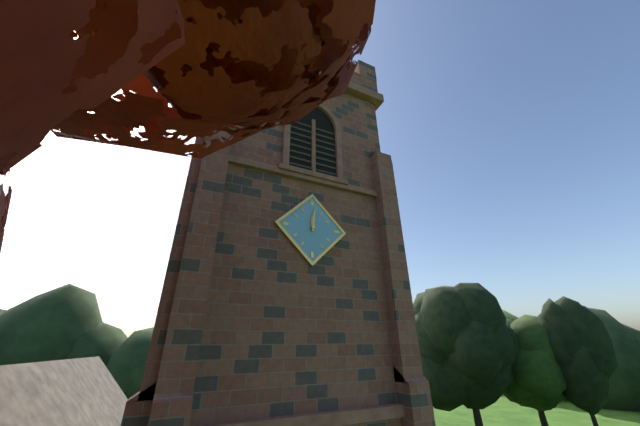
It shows 12h01
